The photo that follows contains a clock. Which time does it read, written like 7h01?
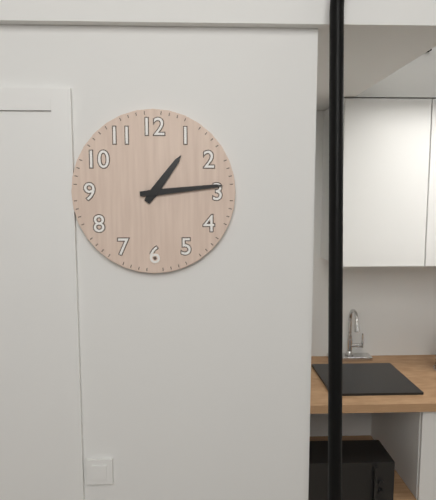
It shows 1h14
